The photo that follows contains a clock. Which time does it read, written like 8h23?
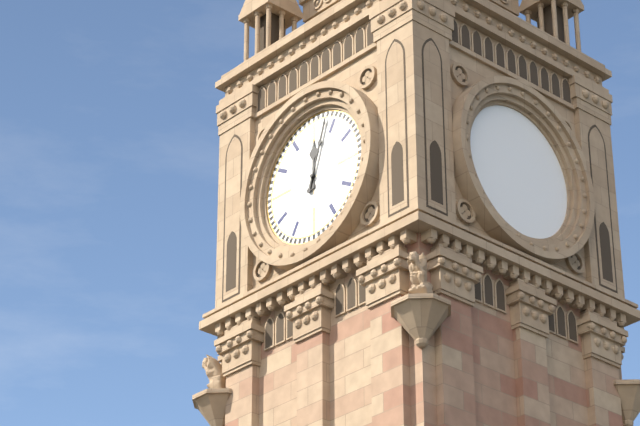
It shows 12h03
